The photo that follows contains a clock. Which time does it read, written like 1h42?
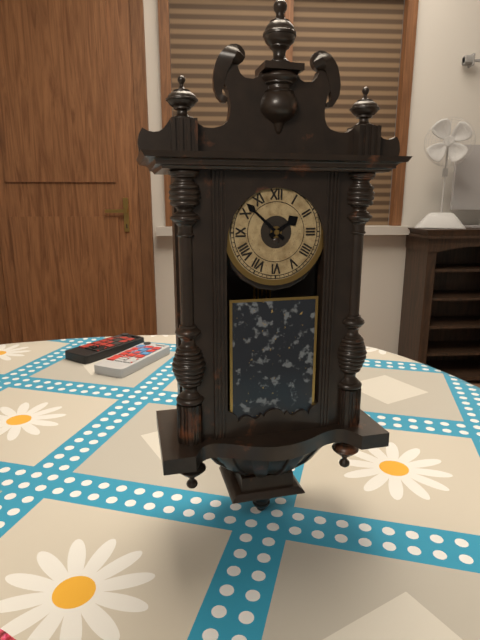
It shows 1h52
